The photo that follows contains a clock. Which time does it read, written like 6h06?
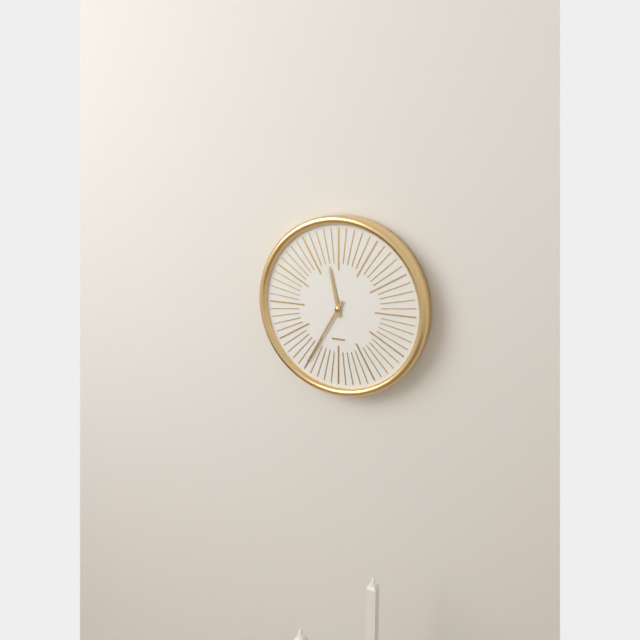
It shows 11h35
